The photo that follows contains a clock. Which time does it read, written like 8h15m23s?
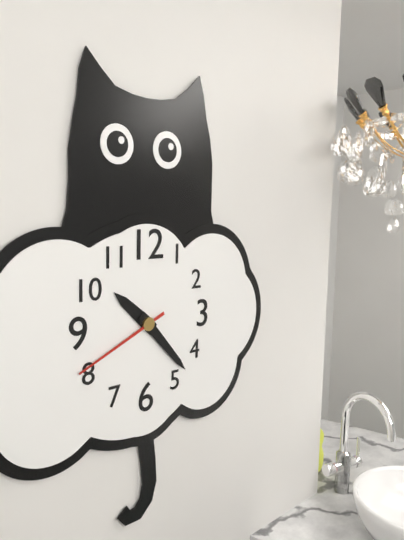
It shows 10h23m41s
